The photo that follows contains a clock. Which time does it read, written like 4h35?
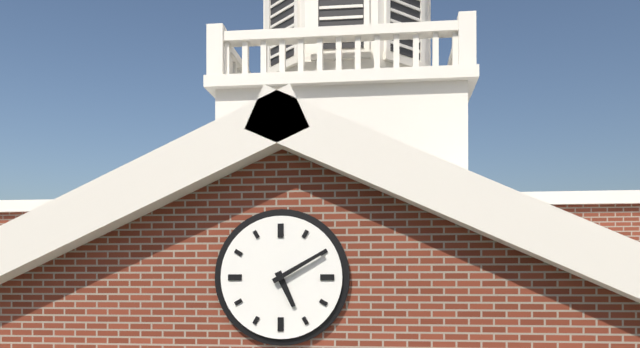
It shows 5h10
